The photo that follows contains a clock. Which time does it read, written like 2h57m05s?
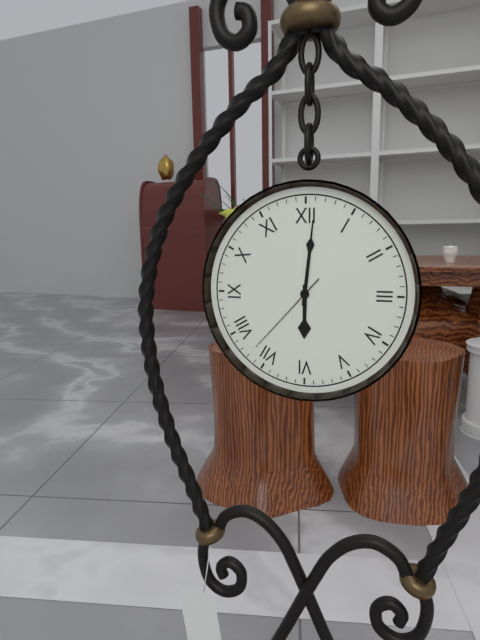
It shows 6h01m37s
